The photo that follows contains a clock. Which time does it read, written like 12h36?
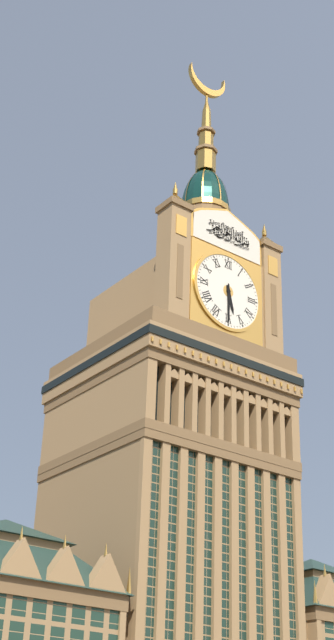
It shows 5h30
